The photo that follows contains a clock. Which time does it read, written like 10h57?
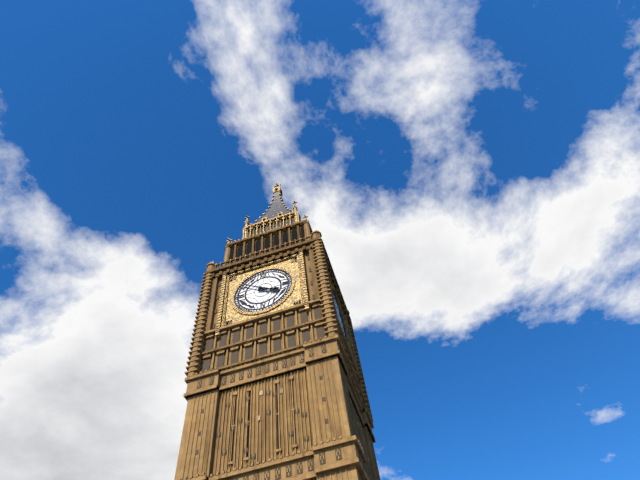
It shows 3h51
